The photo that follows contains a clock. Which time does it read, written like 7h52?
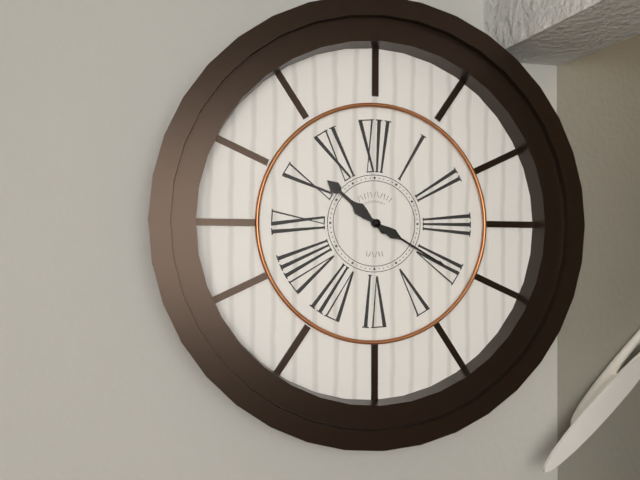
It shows 10h20
